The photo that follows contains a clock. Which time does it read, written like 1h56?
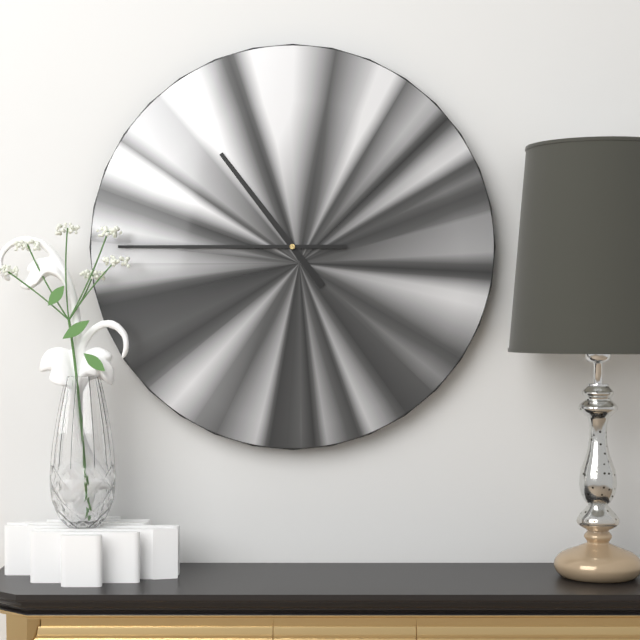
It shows 10h45
